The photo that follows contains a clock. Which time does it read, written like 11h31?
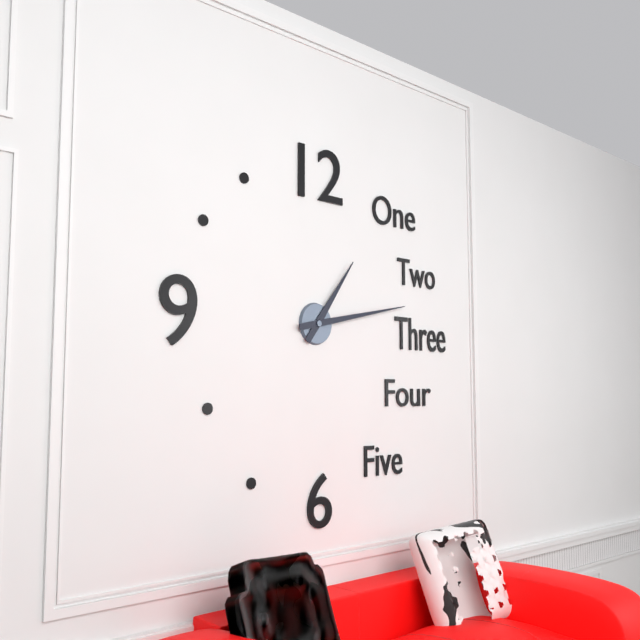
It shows 1h13
